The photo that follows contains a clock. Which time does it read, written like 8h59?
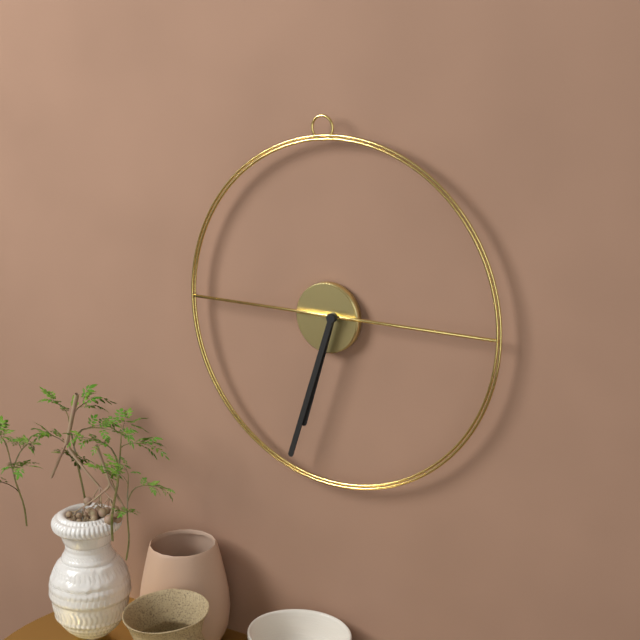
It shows 6h33
